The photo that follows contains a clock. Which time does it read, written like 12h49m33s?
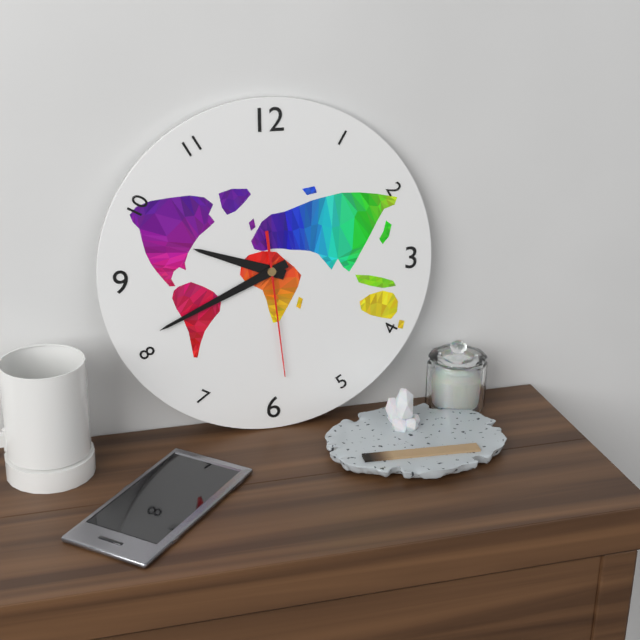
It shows 9h41m29s
